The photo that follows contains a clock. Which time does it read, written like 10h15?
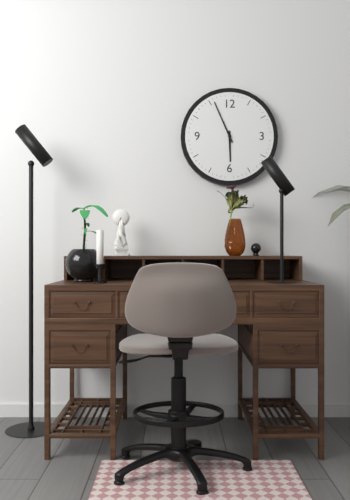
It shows 5h56
